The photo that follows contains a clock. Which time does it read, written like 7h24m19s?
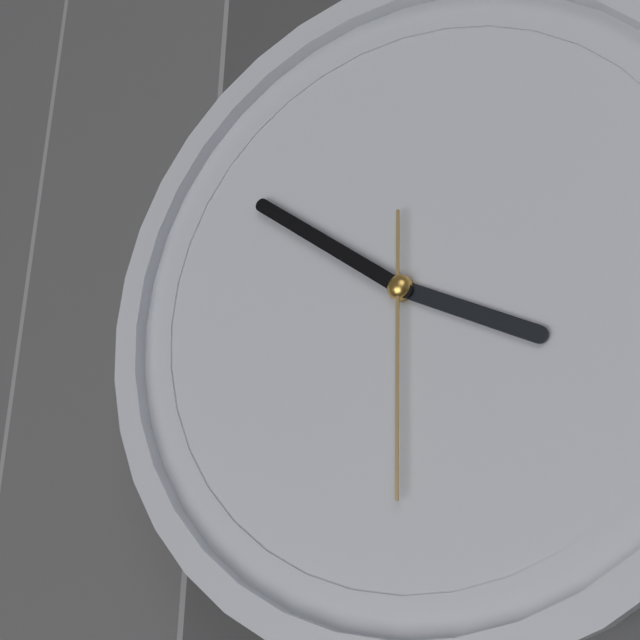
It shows 3h51m30s
